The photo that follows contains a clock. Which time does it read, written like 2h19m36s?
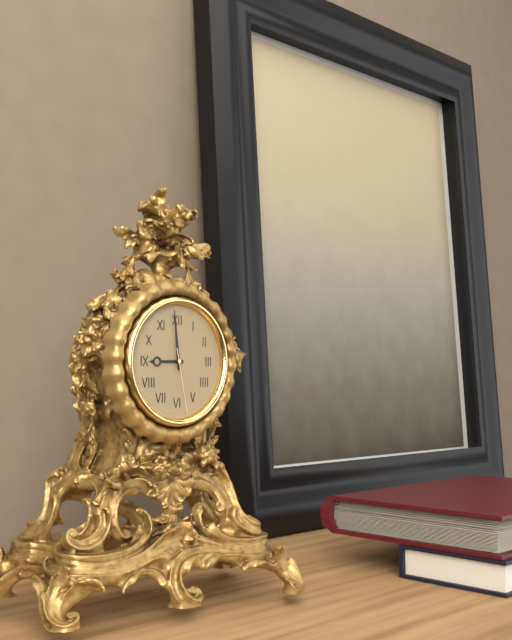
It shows 8h59m28s
